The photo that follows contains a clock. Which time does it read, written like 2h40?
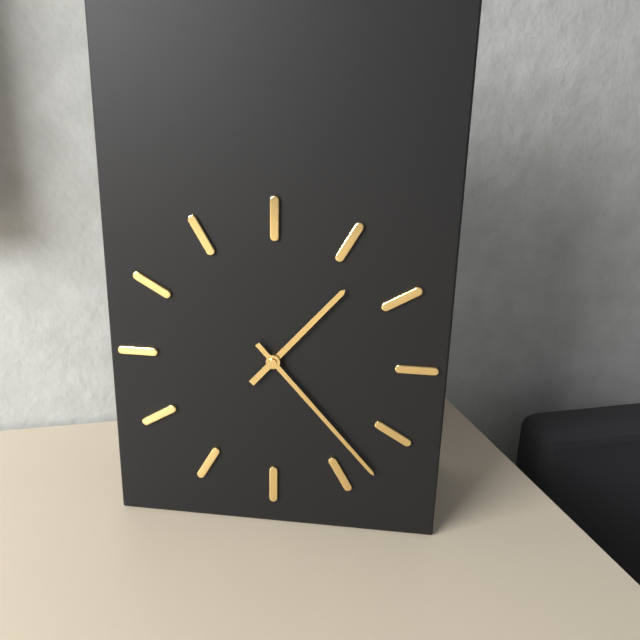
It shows 1h23
